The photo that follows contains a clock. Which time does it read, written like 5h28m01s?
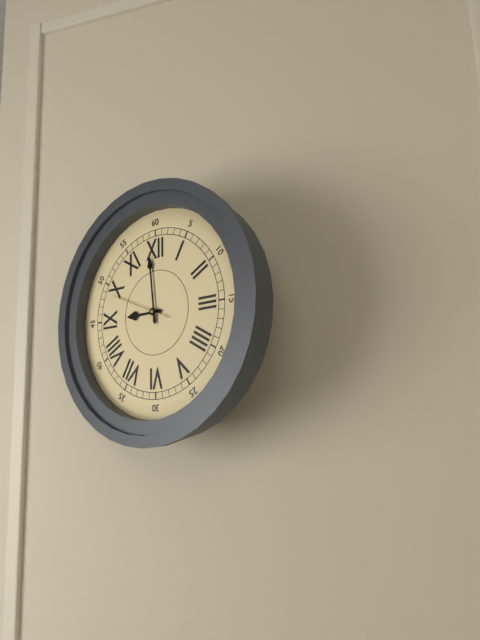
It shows 8h59m49s
